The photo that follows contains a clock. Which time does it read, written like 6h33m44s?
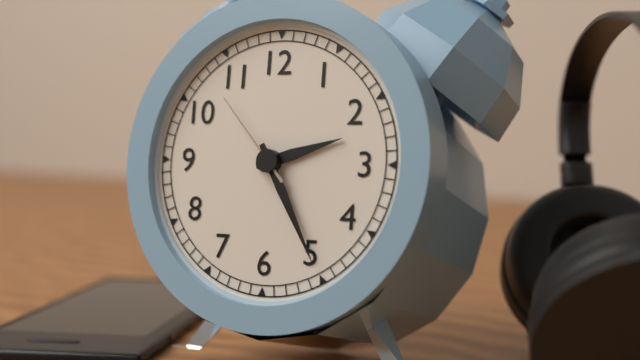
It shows 2h25m53s
